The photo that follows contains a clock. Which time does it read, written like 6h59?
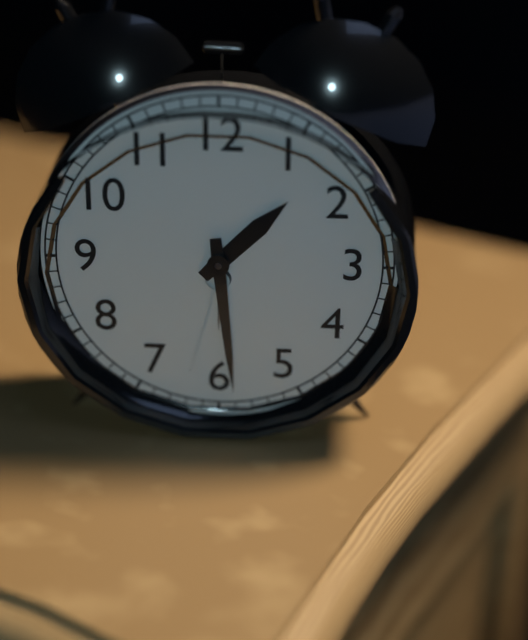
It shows 1h29
